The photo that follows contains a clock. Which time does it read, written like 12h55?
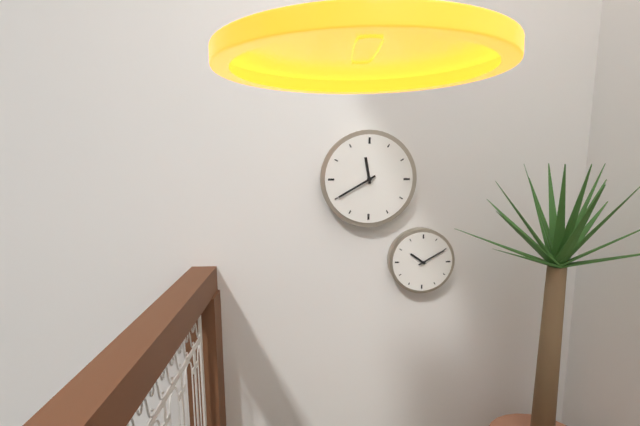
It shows 11h40
